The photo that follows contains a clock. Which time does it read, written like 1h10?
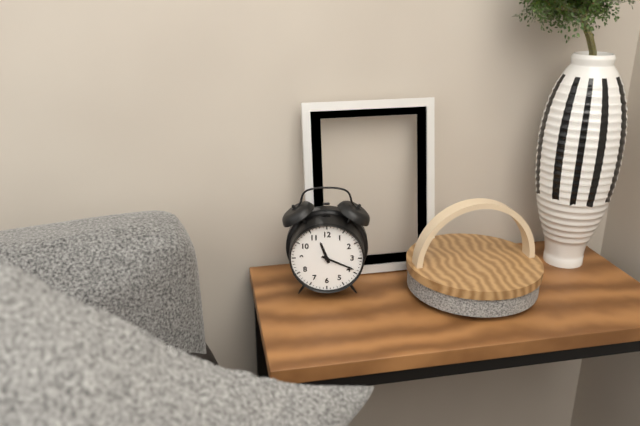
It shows 11h19
